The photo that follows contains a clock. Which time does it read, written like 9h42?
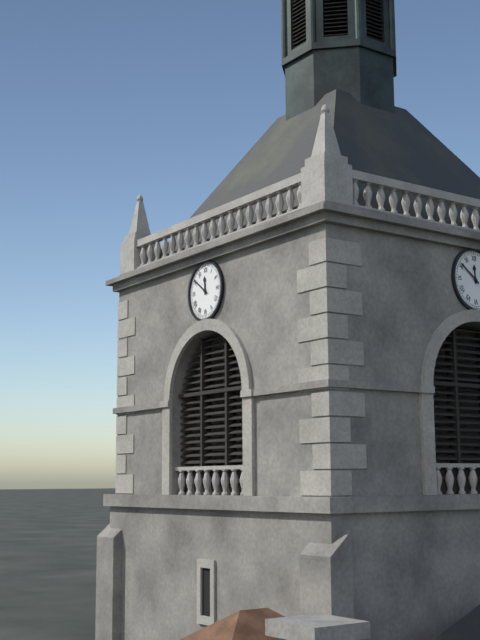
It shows 11h51
